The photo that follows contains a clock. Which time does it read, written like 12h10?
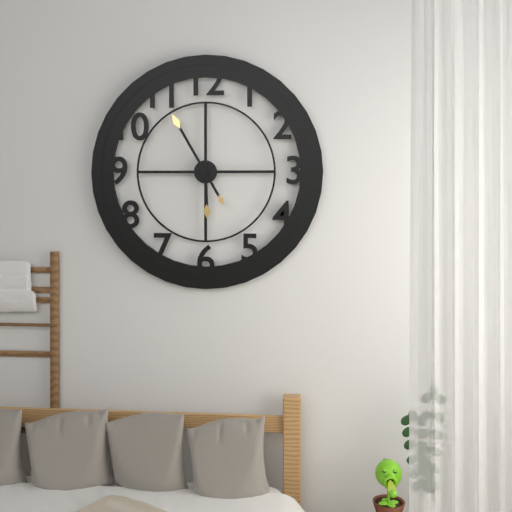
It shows 5h55
